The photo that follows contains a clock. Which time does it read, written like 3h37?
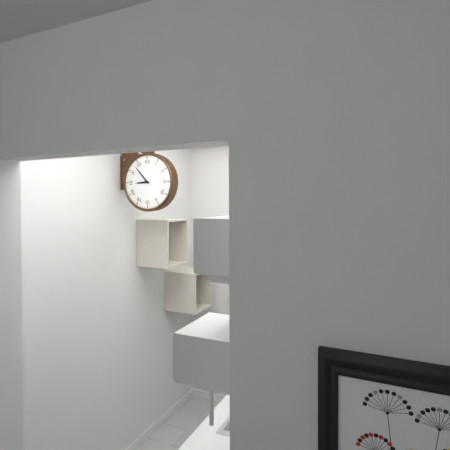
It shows 8h53
